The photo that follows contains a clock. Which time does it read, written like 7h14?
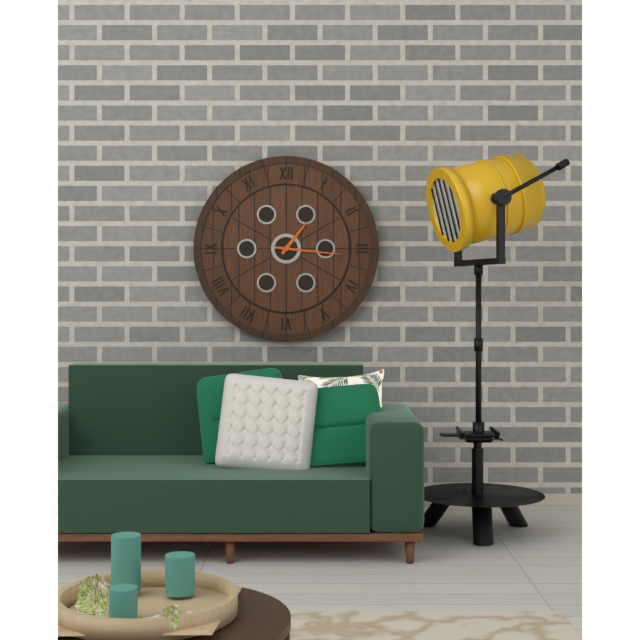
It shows 1h16
